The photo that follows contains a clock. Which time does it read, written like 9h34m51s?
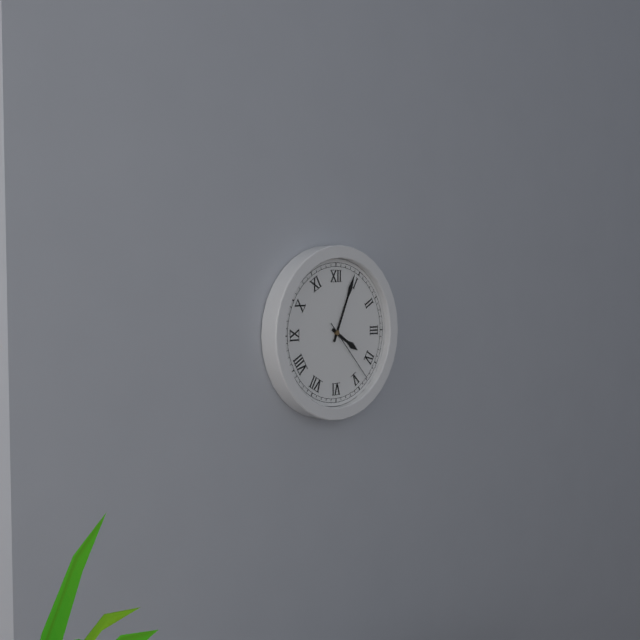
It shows 4h04m23s
